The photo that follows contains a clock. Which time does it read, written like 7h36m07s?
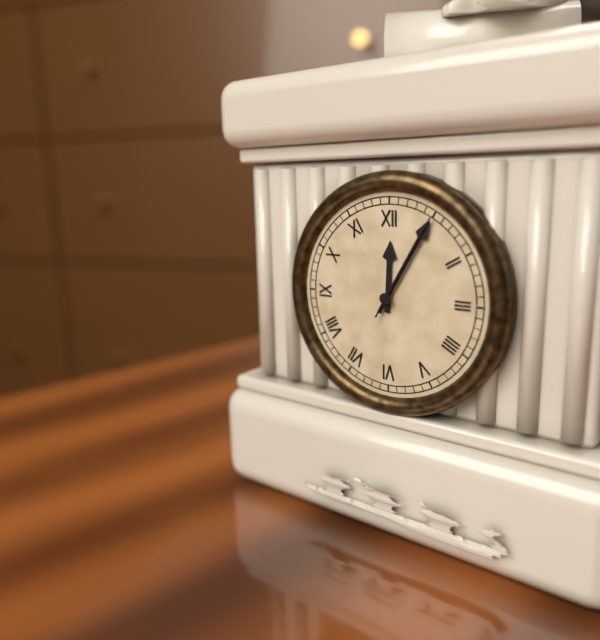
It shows 12h05m05s
